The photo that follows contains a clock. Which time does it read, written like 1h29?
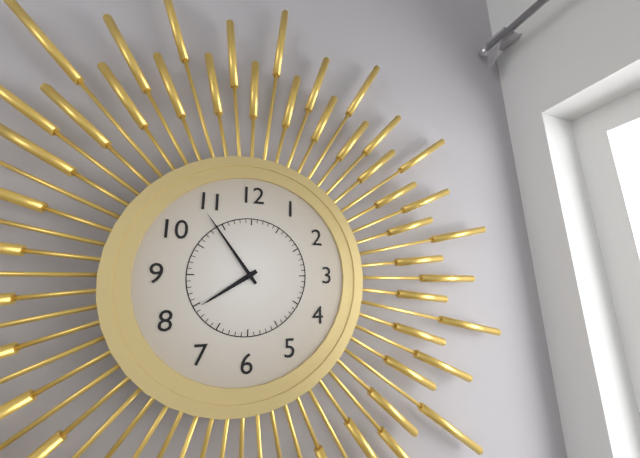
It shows 7h54
